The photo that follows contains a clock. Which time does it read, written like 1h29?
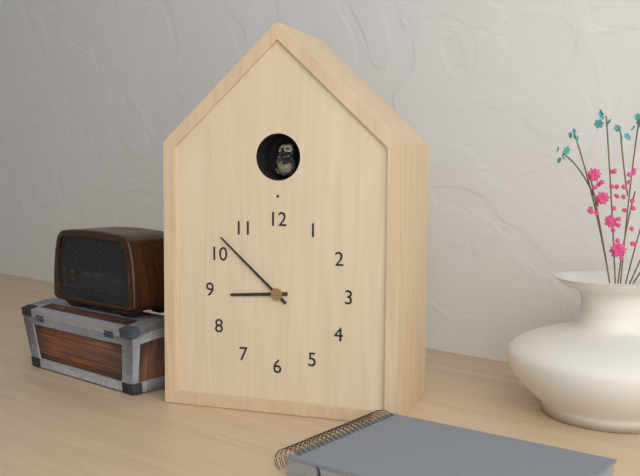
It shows 8h52
